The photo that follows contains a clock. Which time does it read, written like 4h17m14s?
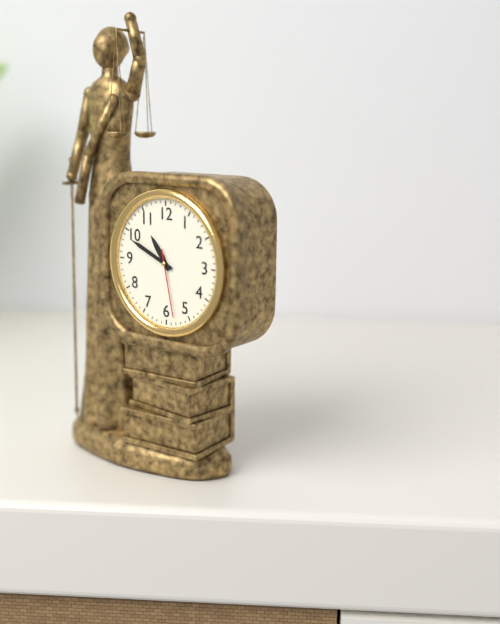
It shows 10h49m28s
